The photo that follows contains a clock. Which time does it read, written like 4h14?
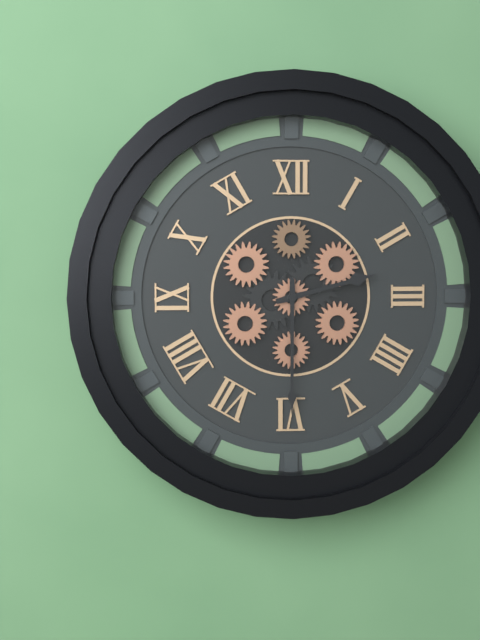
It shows 2h30
